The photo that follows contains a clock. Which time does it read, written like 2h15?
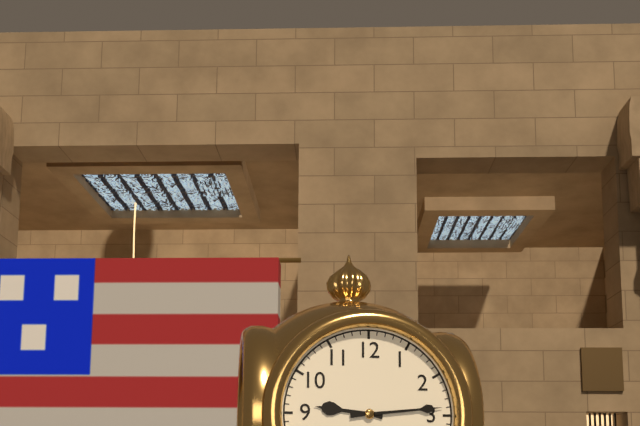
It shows 9h14
